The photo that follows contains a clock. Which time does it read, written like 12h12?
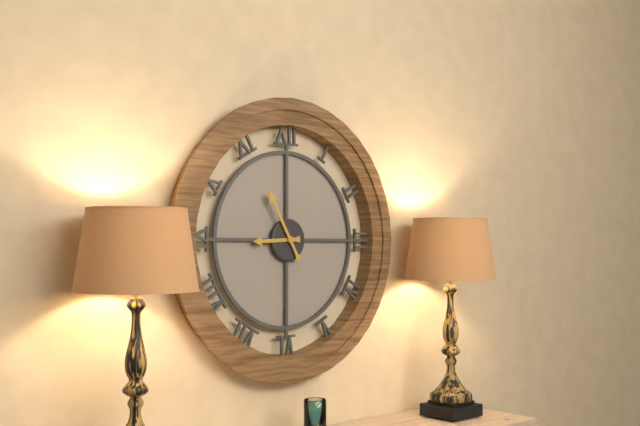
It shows 8h55
